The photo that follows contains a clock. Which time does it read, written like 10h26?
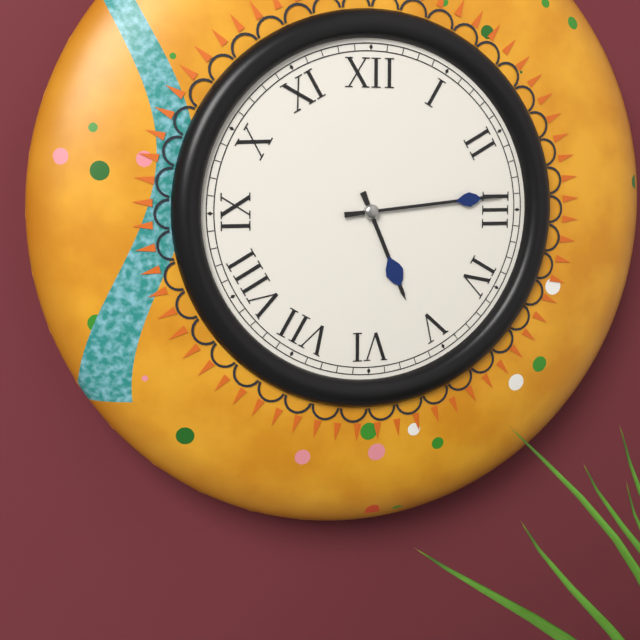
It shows 5h14
